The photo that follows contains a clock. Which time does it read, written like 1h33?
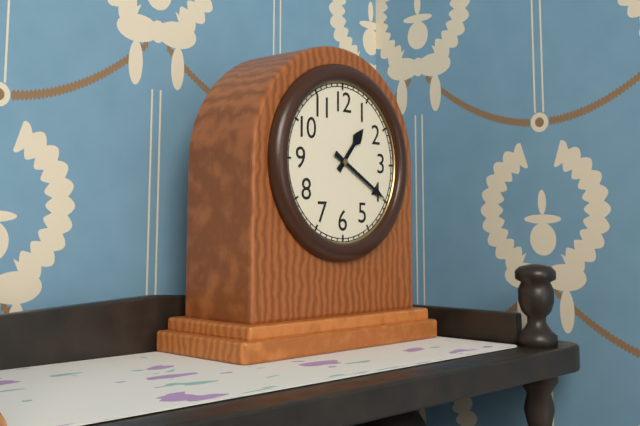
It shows 1h20
